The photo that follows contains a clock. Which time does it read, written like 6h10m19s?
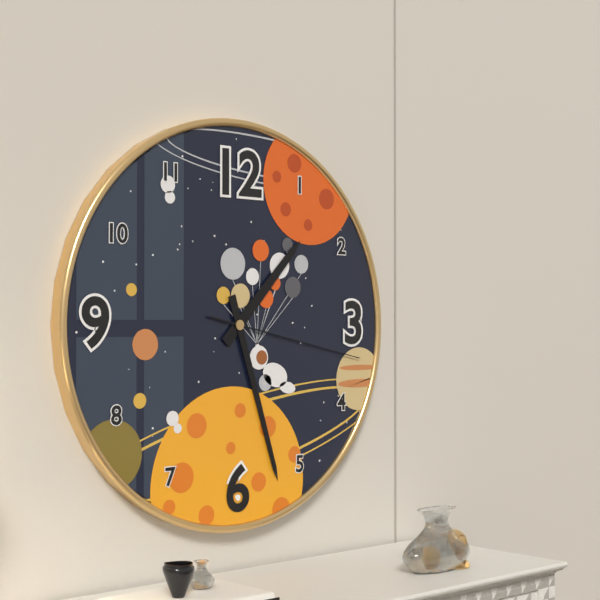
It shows 1h27m17s
